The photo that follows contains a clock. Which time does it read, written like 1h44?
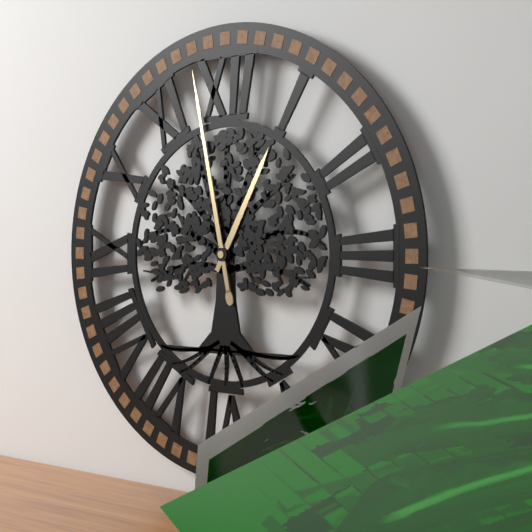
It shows 12h58
